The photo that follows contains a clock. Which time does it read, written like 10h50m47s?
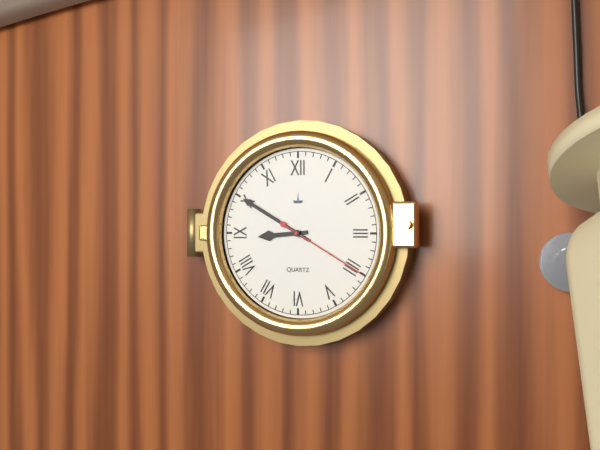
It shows 8h50m20s
